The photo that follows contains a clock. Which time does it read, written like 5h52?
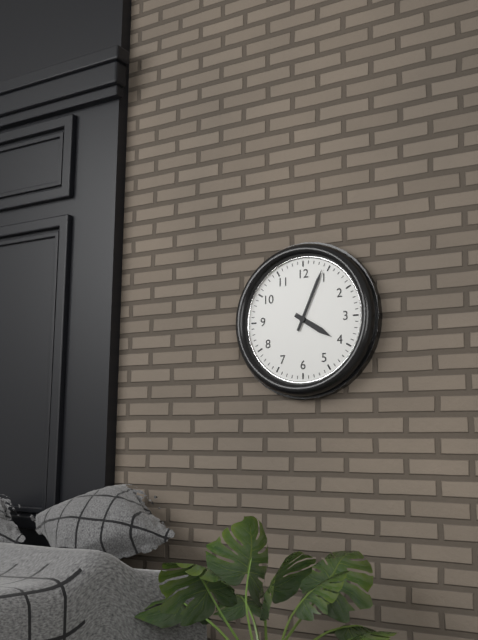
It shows 4h04
